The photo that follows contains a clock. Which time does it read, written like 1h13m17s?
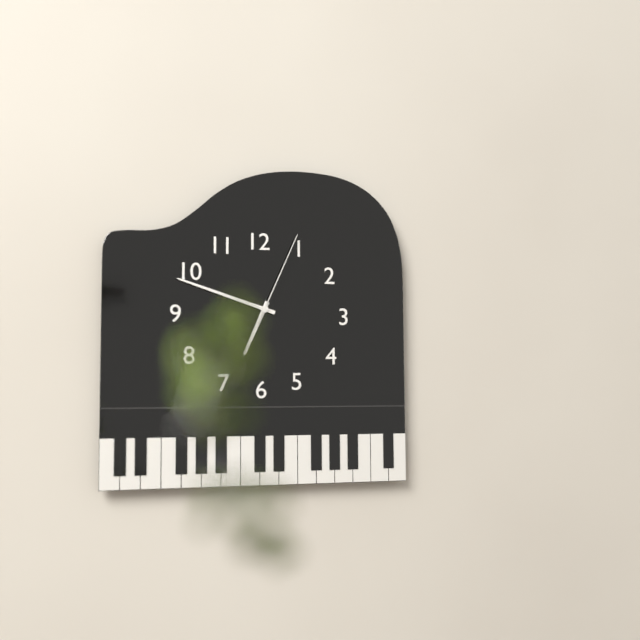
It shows 6h48m04s
